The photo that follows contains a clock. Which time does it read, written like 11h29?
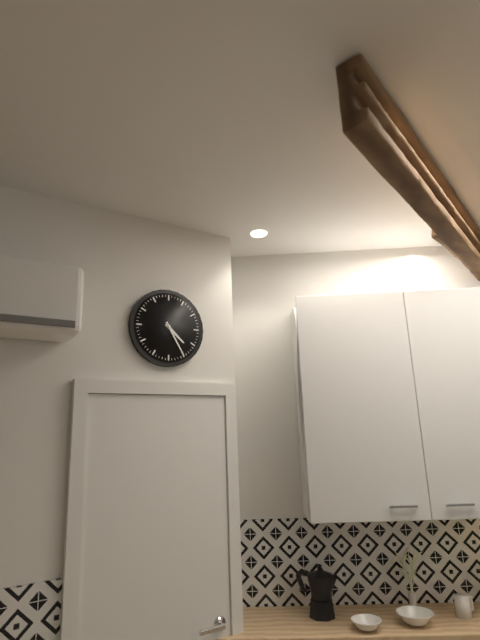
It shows 4h25
